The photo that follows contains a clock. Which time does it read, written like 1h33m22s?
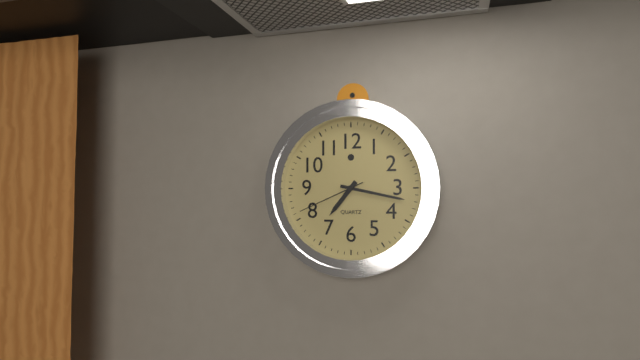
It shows 7h17m41s
